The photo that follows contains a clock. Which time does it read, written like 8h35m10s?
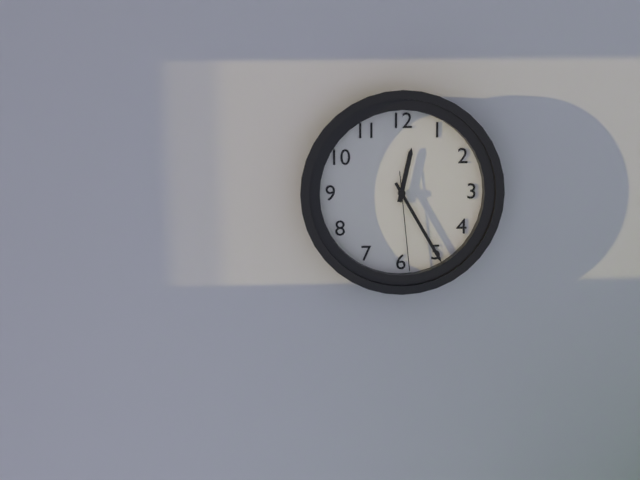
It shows 12h25m29s
